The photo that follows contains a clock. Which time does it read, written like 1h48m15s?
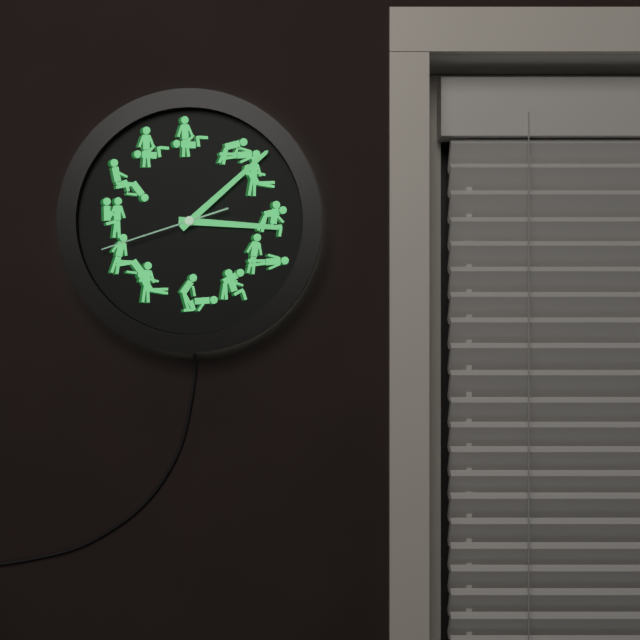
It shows 3h08m42s
